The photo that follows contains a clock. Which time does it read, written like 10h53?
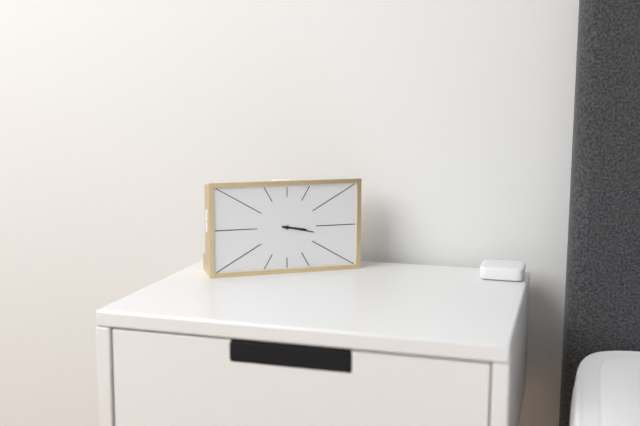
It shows 3h17
